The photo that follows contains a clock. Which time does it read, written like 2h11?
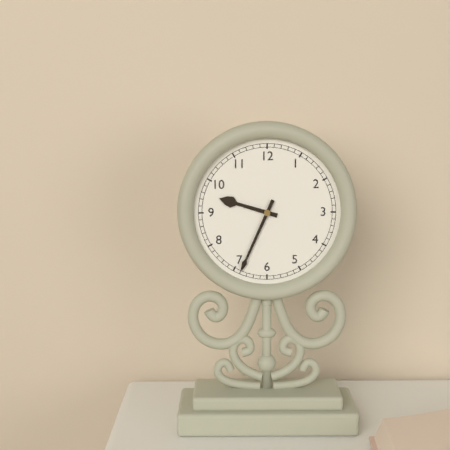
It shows 9h34
